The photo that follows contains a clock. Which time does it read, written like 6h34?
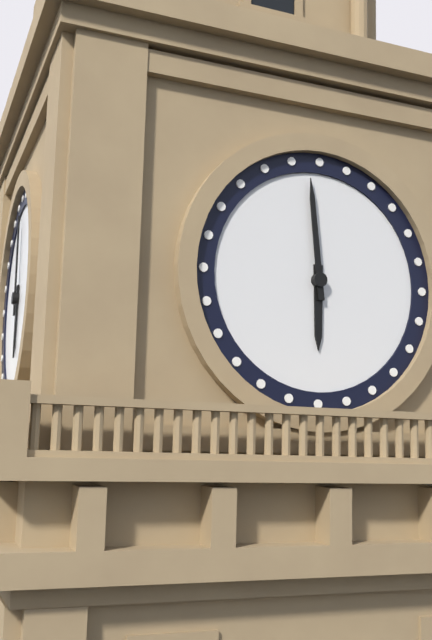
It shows 5h59
